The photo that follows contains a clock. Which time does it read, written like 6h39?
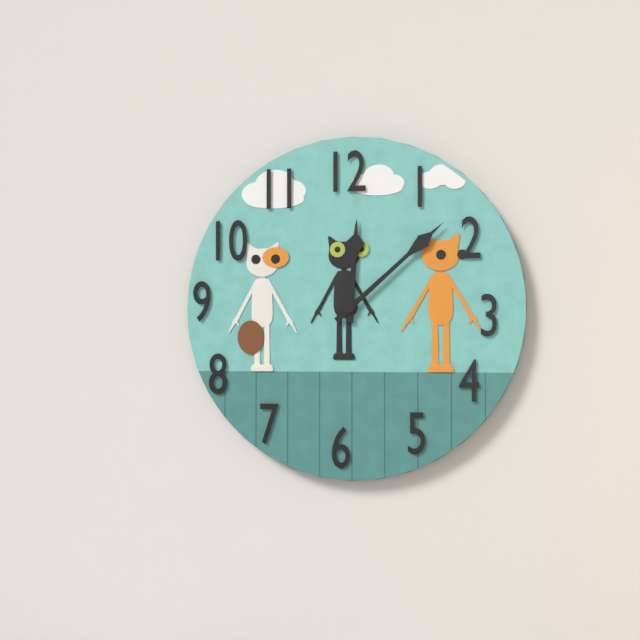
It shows 12h08
